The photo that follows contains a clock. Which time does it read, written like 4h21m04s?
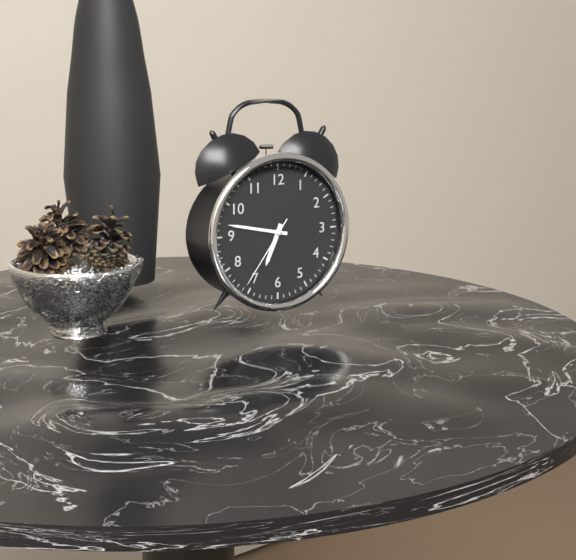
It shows 6h47m36s
